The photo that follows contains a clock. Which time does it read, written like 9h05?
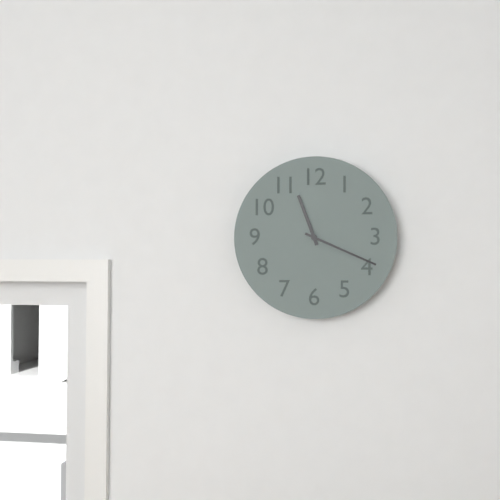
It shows 11h19
